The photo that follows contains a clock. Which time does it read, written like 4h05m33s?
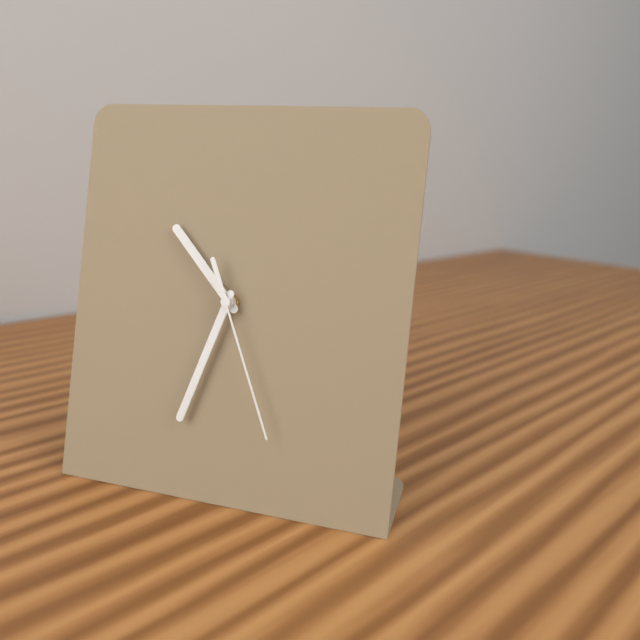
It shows 10h33m26s
